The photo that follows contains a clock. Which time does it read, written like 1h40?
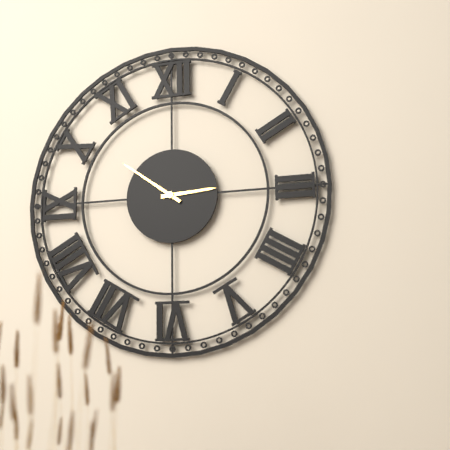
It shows 2h51
